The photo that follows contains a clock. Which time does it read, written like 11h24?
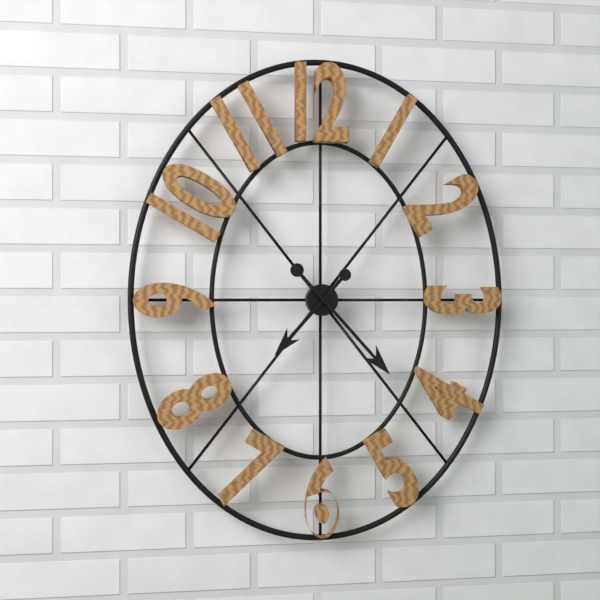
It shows 7h23
